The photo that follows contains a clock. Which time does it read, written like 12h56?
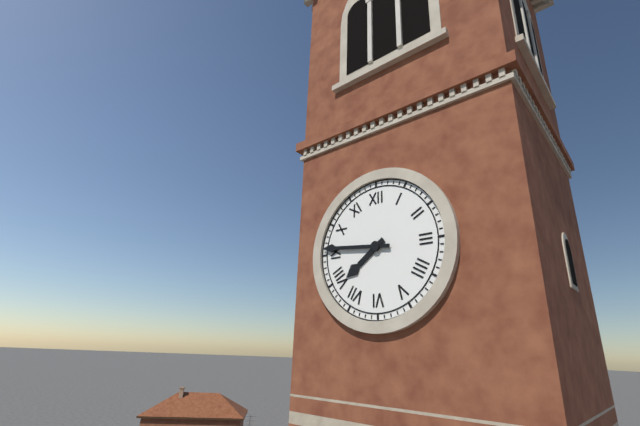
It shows 7h46
